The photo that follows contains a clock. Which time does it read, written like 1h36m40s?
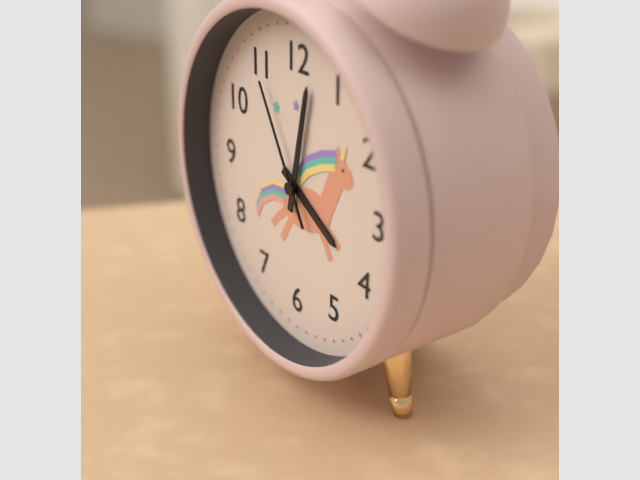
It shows 4h02m55s
